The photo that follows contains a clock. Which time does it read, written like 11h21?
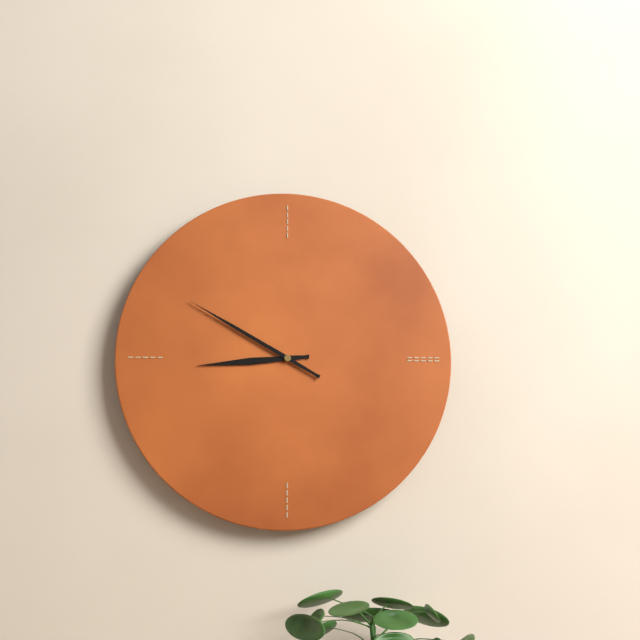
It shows 8h50
